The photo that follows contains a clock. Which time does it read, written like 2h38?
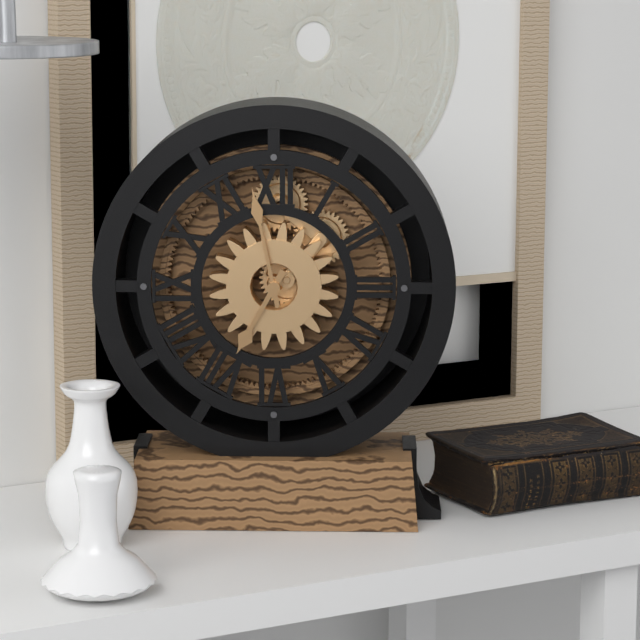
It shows 6h58
